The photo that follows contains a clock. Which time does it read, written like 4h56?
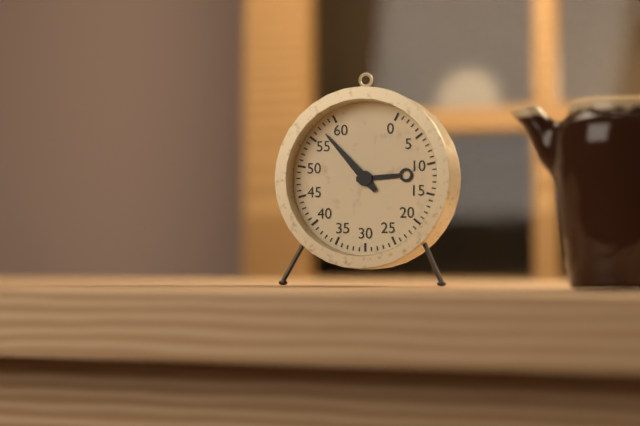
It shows 2h53
